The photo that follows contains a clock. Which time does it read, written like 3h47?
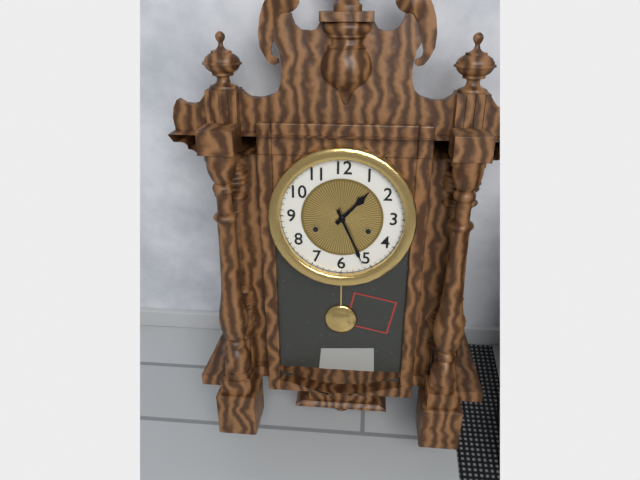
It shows 1h26
